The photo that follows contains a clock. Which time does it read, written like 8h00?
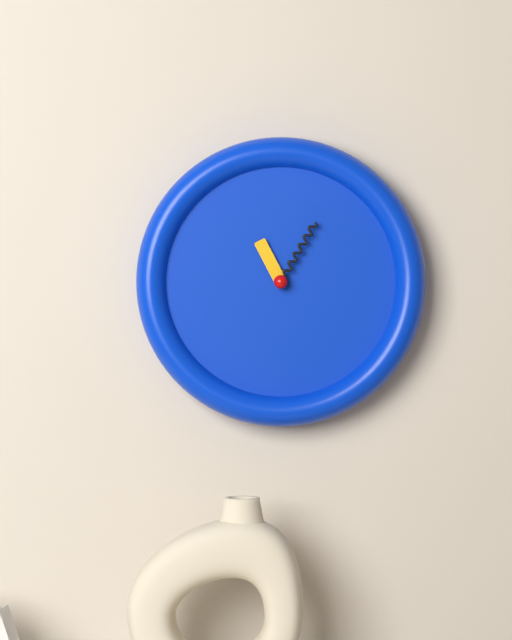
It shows 11h05
